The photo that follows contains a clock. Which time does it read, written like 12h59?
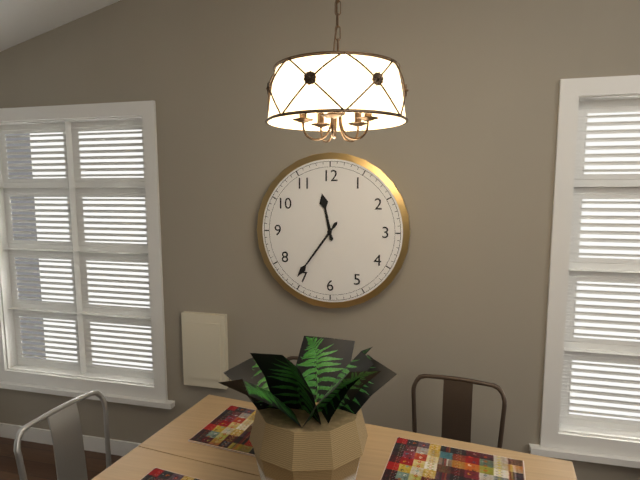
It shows 11h36
